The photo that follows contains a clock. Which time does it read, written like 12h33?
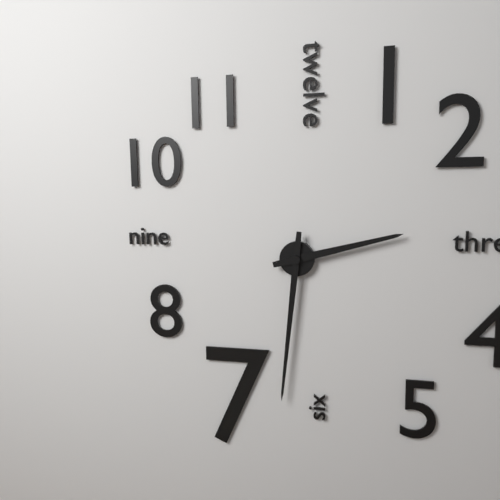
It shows 2h31
